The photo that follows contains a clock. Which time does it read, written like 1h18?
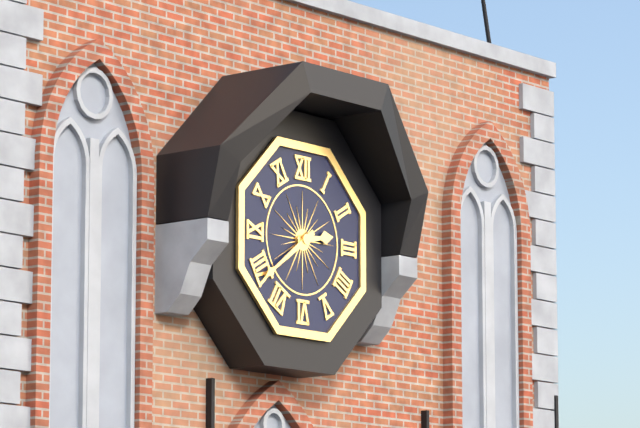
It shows 2h39
